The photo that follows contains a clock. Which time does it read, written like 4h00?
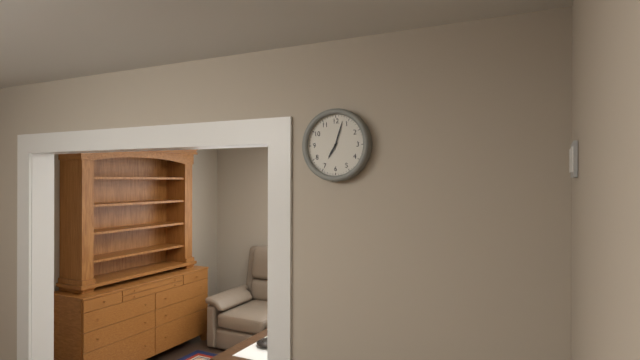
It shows 7h03
